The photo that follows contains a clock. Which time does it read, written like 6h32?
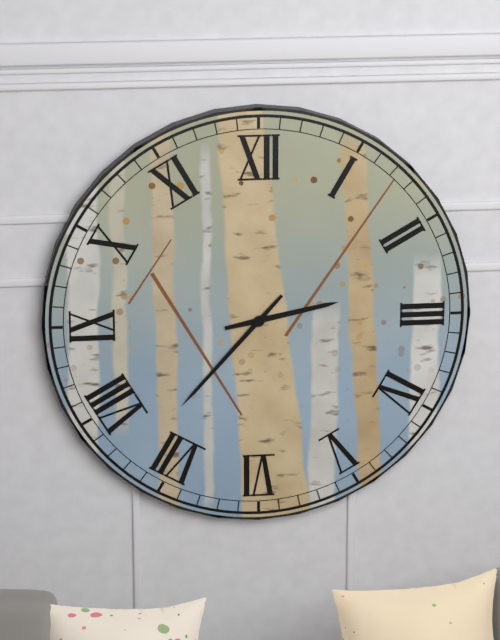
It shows 2h37
